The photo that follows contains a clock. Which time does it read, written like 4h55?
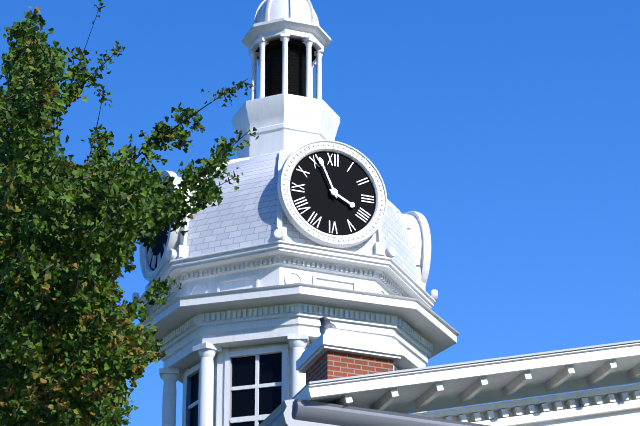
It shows 3h56
